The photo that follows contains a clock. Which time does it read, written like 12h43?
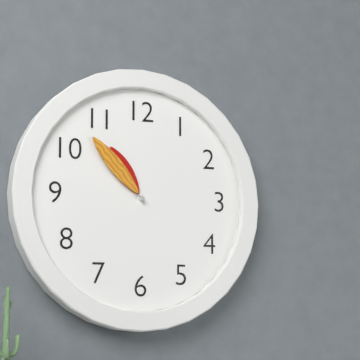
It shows 10h53
